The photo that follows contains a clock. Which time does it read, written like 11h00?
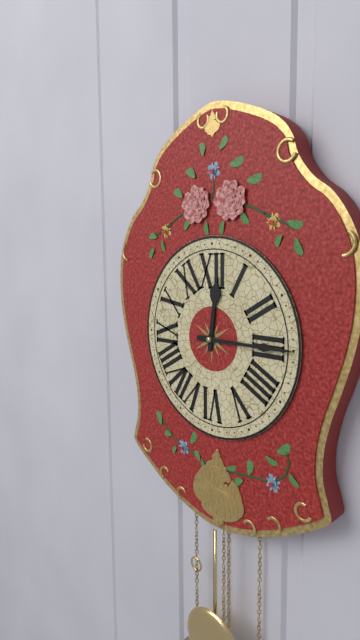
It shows 12h15
